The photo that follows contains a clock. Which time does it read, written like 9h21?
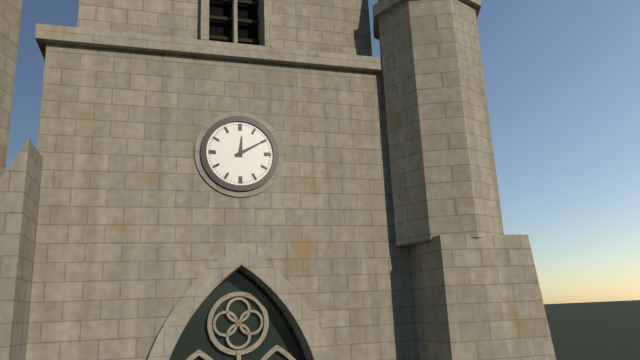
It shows 12h10
